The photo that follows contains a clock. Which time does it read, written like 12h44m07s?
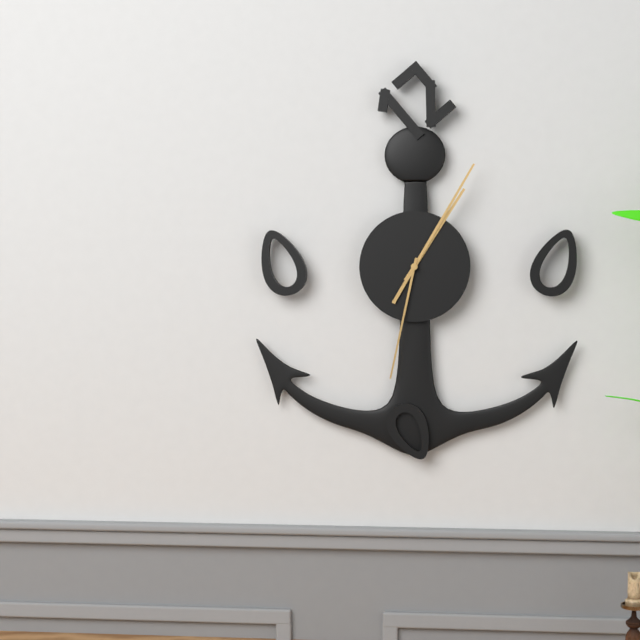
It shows 1h05m32s
